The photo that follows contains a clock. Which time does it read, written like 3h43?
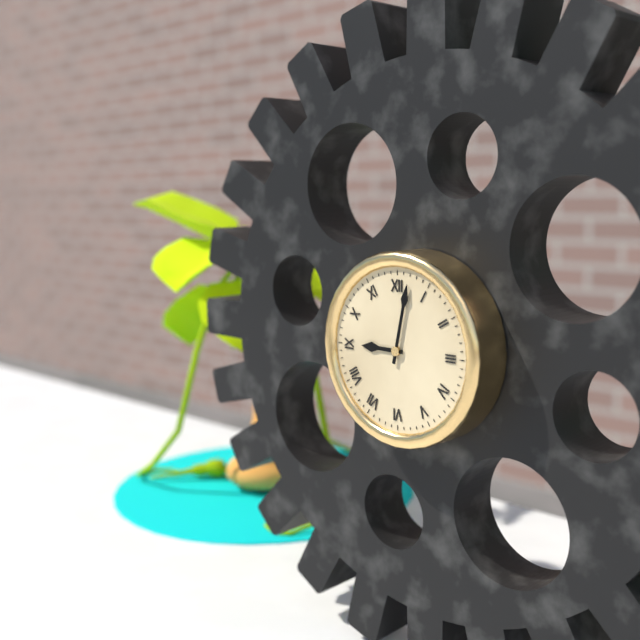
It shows 9h02
